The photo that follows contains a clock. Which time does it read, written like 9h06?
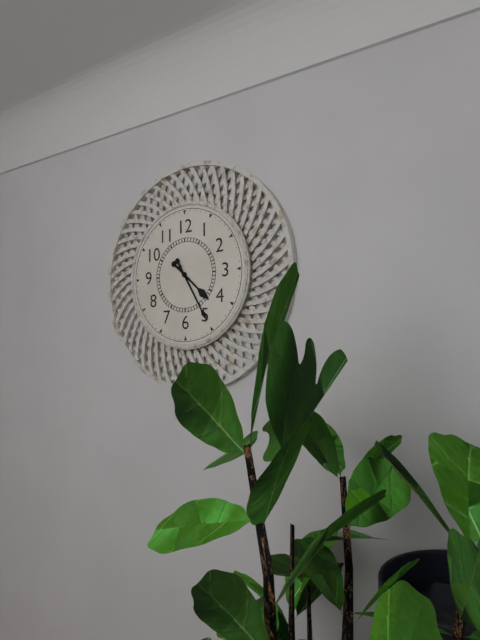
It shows 4h25
